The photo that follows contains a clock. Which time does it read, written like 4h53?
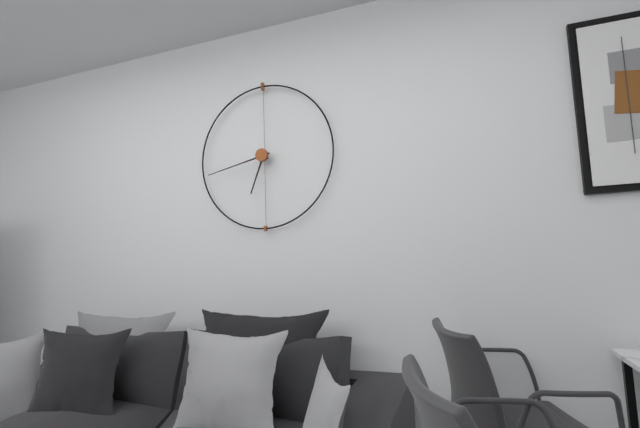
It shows 6h43
